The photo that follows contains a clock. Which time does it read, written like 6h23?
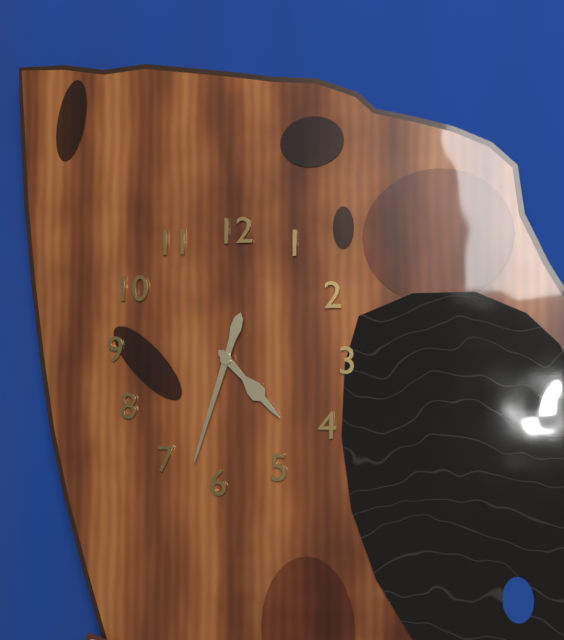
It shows 4h33
